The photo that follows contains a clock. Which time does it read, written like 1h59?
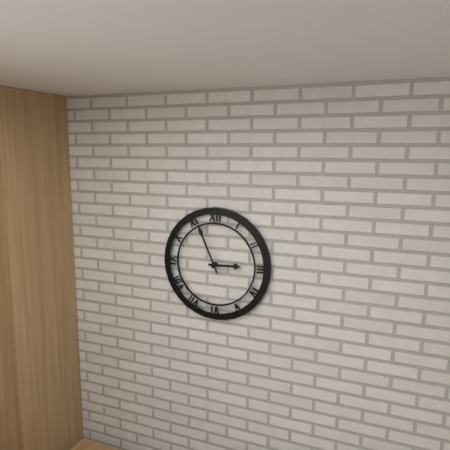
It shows 2h56
